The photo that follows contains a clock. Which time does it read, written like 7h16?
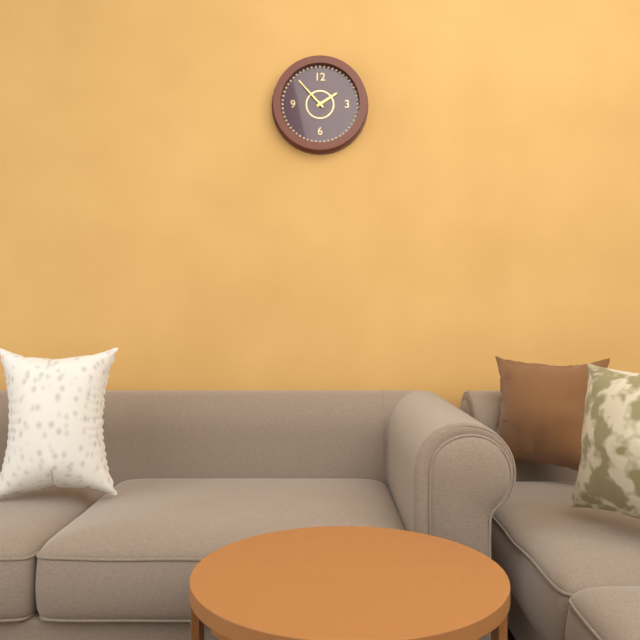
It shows 1h53
